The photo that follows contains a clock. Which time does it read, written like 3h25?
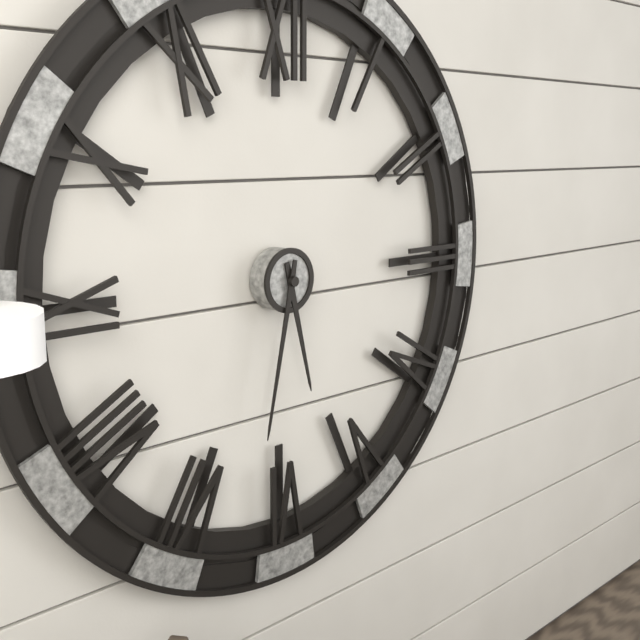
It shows 5h32
